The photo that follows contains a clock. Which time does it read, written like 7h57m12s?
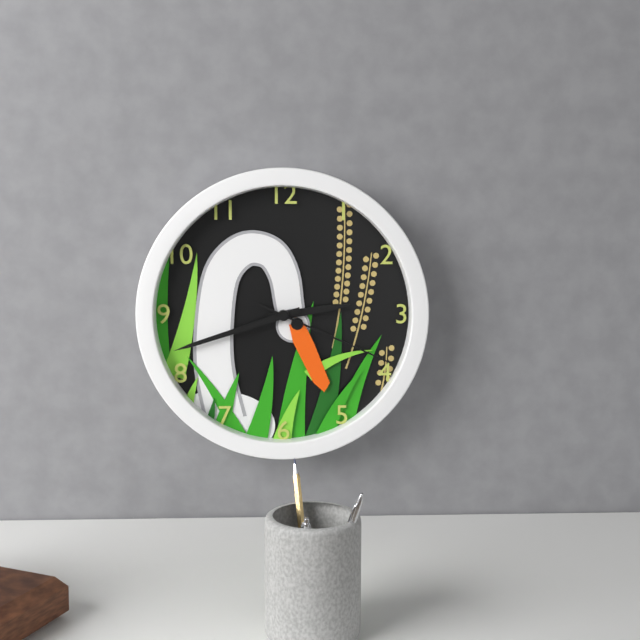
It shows 2h42m19s
